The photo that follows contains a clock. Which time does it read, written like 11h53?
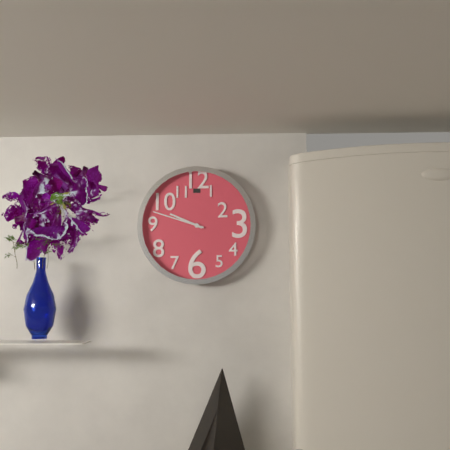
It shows 9h48
